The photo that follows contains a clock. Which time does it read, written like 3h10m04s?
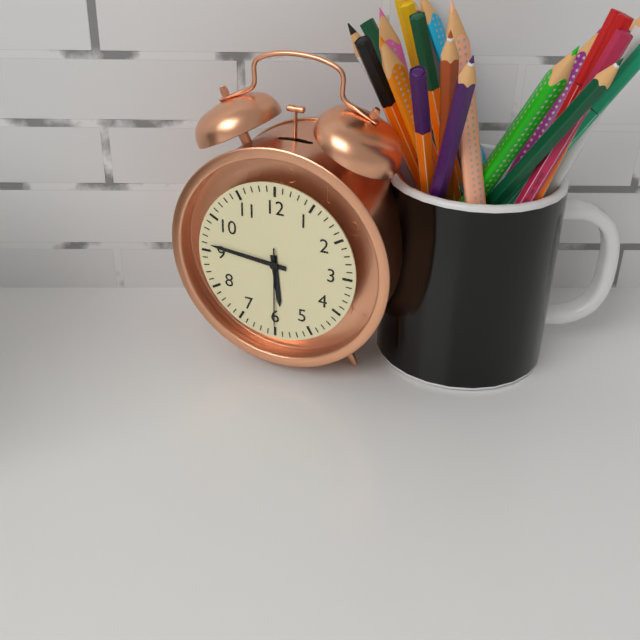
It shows 5h46m30s
